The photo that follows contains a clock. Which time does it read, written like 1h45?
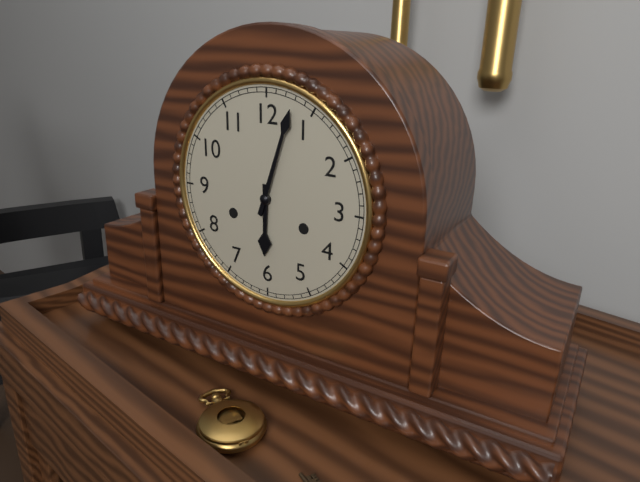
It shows 6h03
